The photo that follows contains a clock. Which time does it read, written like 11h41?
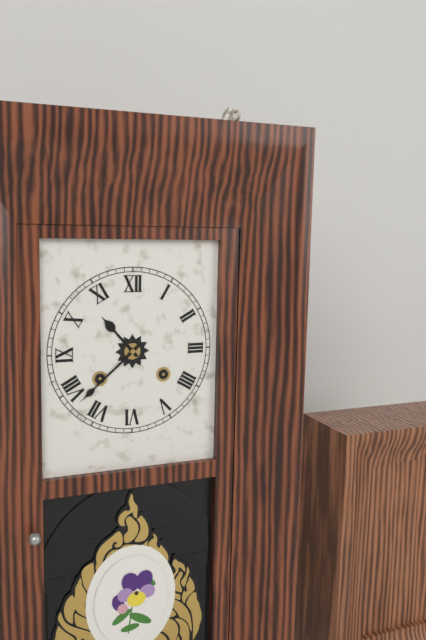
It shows 10h38
